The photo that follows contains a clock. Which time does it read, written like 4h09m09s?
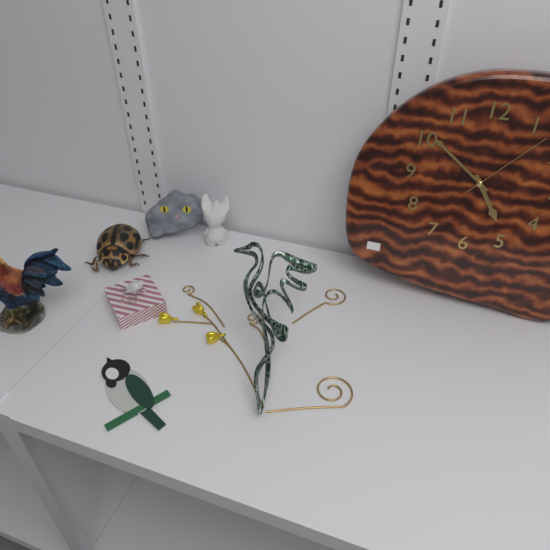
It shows 4h51m07s
